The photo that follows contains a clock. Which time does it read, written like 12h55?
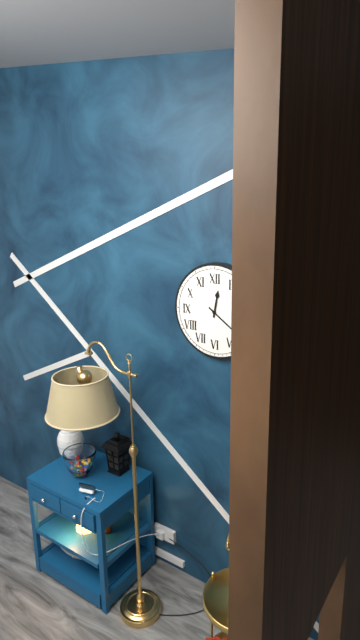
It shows 12h21
